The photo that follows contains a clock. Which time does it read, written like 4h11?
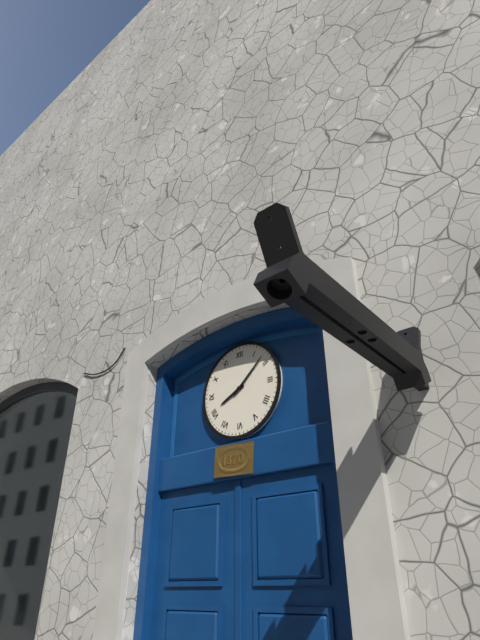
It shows 8h08
